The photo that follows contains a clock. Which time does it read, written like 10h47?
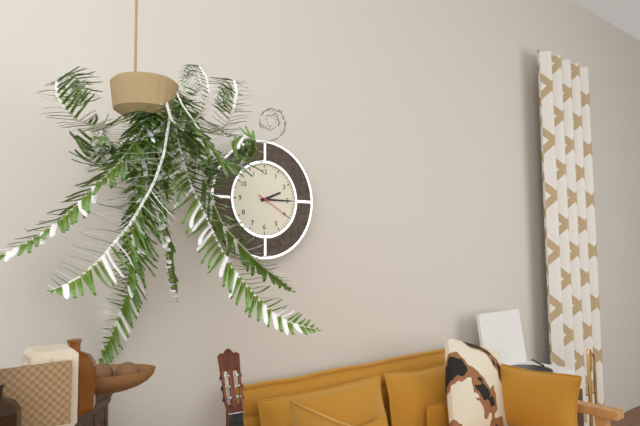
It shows 2h15
